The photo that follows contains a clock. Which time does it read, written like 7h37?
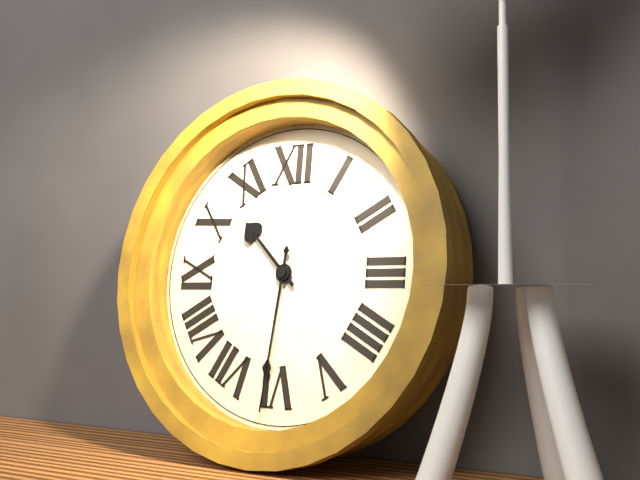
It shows 10h31
